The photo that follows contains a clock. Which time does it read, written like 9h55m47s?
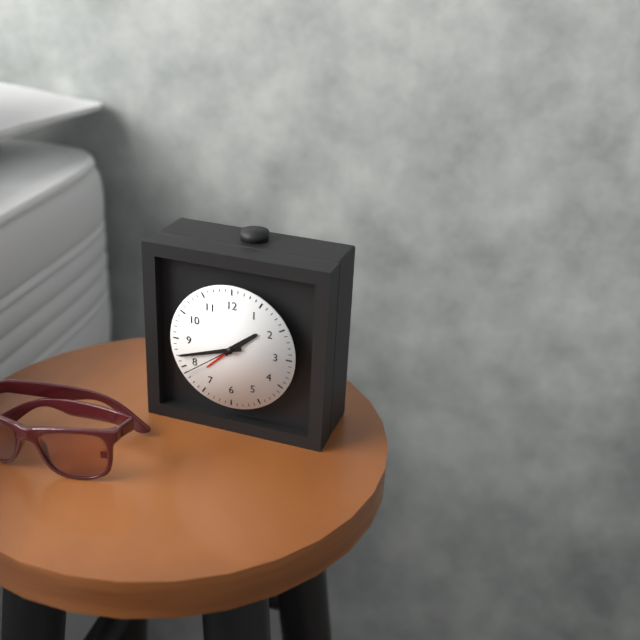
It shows 1h42m39s
